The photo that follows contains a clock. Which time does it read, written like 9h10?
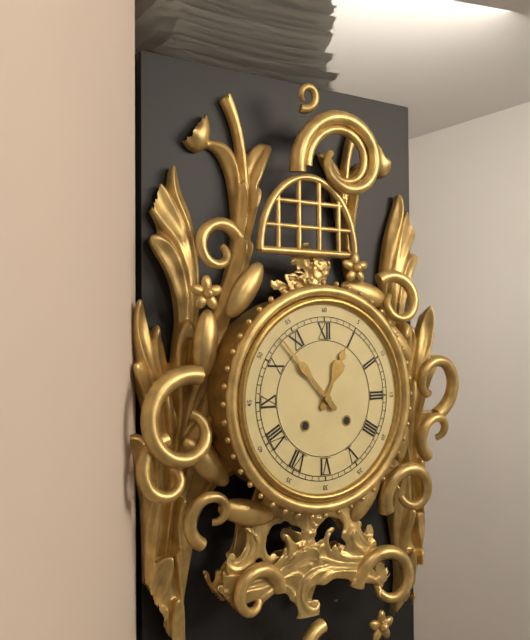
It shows 12h53
